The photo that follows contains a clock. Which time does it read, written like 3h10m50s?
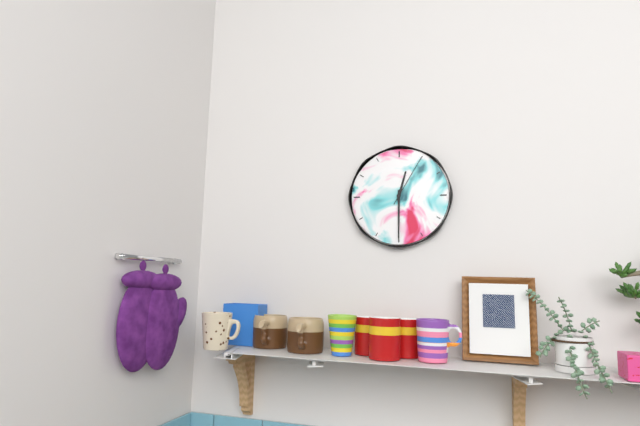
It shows 12h30m05s
